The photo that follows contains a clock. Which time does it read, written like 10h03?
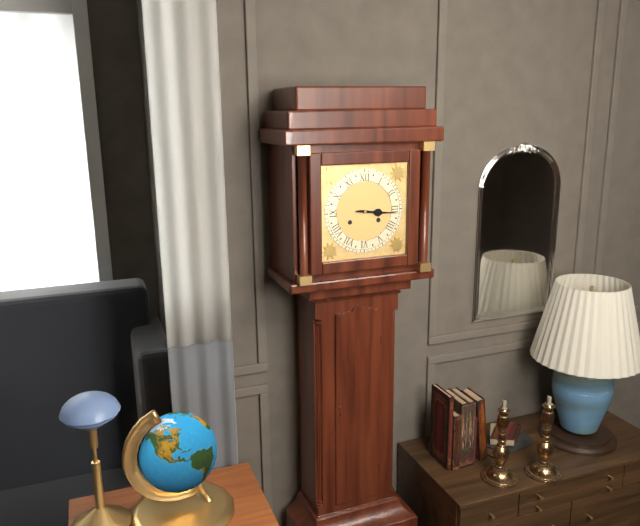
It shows 3h16
